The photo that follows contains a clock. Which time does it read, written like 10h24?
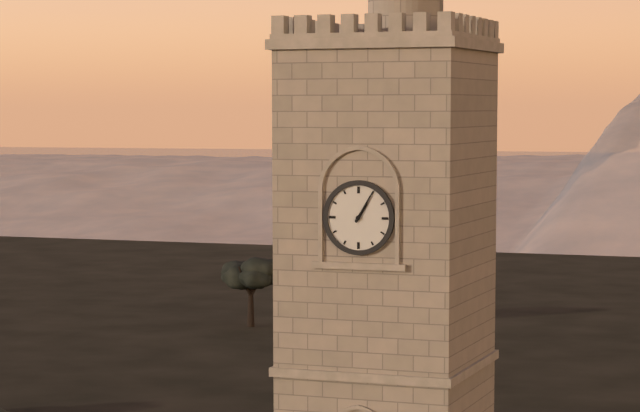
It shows 1h05
